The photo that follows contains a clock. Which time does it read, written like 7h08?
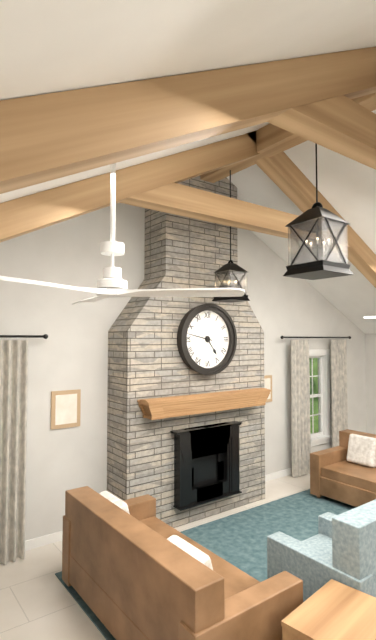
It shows 4h47
